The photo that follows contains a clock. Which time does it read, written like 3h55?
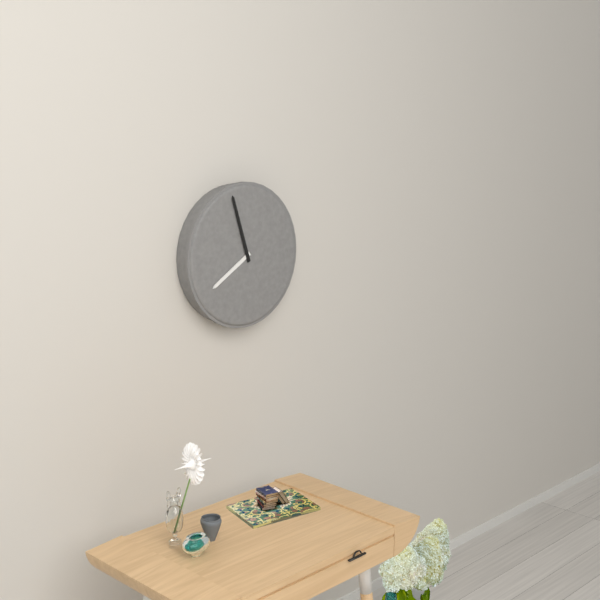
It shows 7h57
